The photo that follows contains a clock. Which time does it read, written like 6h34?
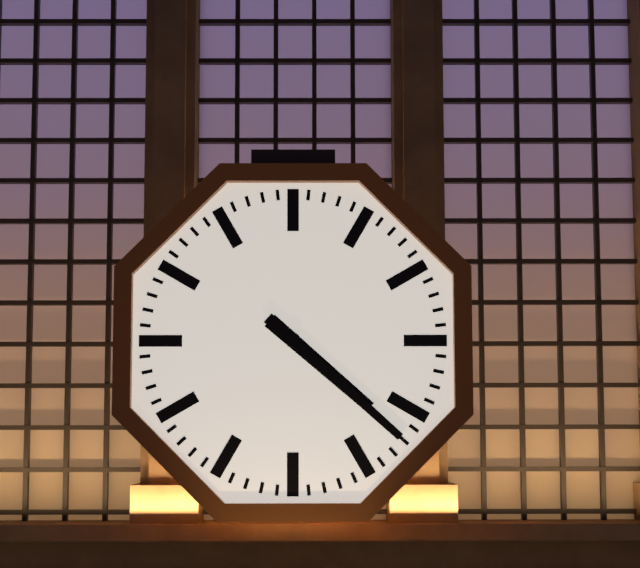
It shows 4h22
